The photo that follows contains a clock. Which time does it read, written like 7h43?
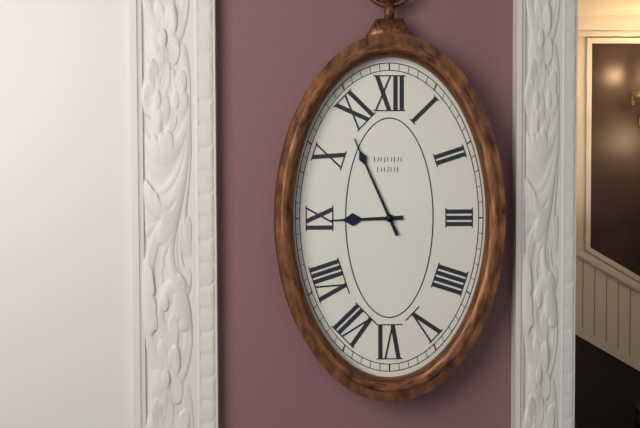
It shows 8h56
